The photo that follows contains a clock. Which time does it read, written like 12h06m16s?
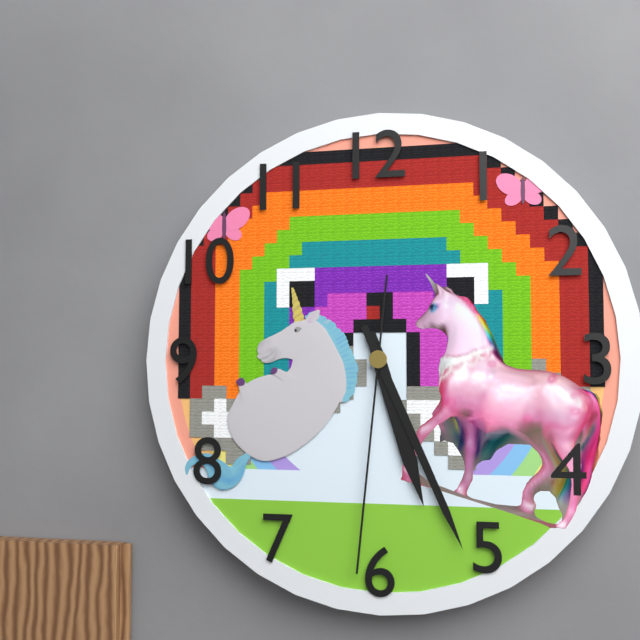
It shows 5h26m31s
